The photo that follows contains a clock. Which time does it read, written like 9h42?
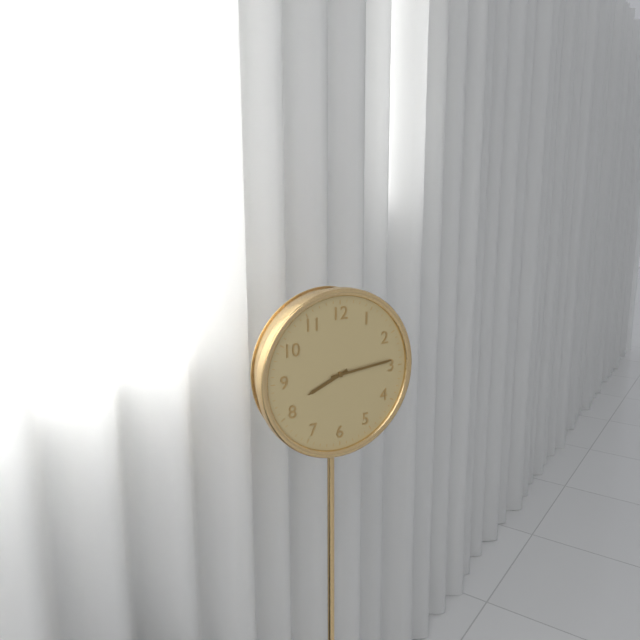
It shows 8h14
